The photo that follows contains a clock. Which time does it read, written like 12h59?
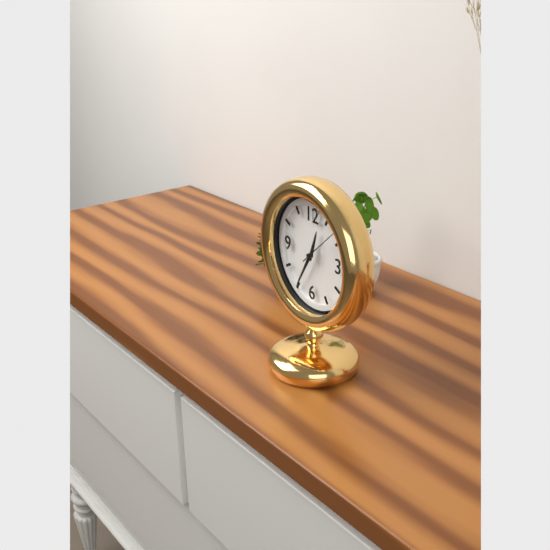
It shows 12h35
